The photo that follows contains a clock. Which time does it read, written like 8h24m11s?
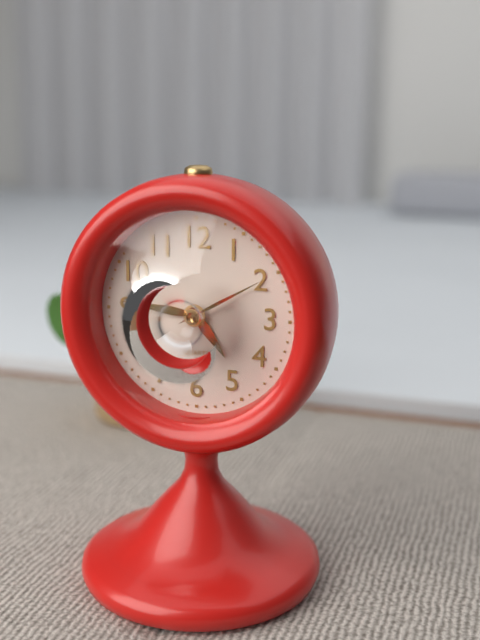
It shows 4h46m10s
